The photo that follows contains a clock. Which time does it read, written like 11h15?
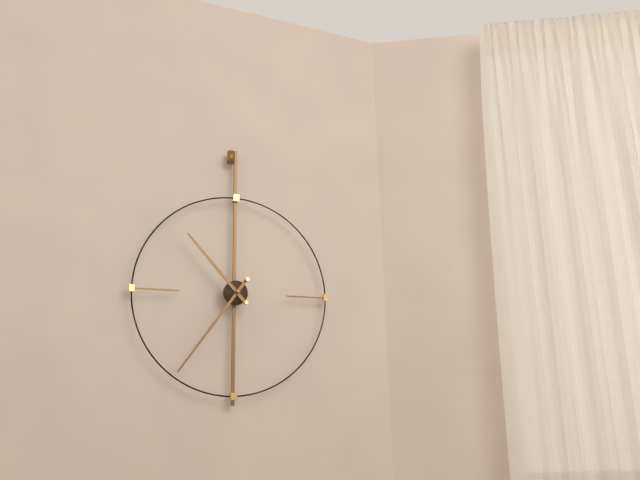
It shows 10h36
